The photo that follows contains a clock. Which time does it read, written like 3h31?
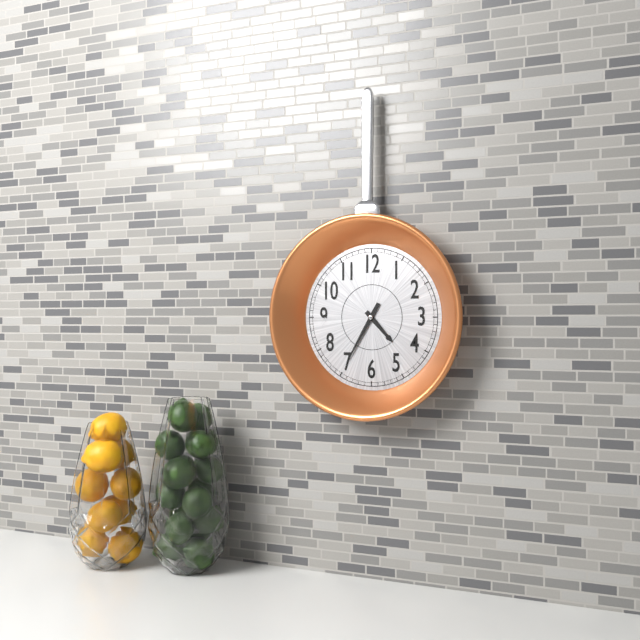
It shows 4h35
